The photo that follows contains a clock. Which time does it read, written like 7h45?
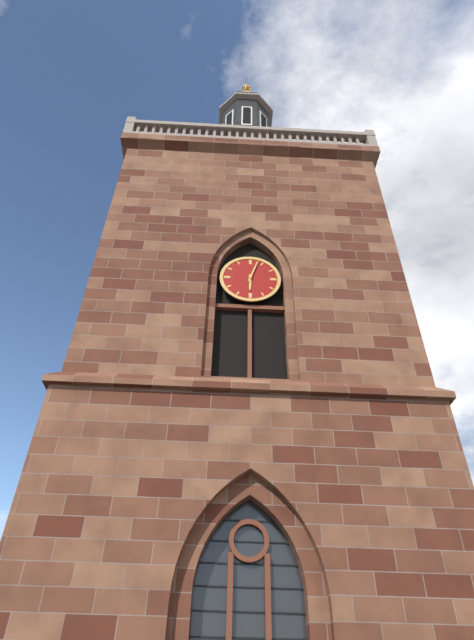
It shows 6h03
